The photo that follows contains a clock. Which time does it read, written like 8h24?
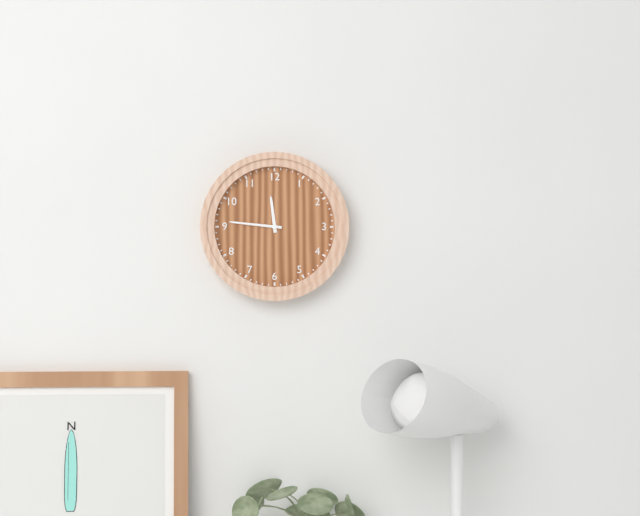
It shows 11h46
